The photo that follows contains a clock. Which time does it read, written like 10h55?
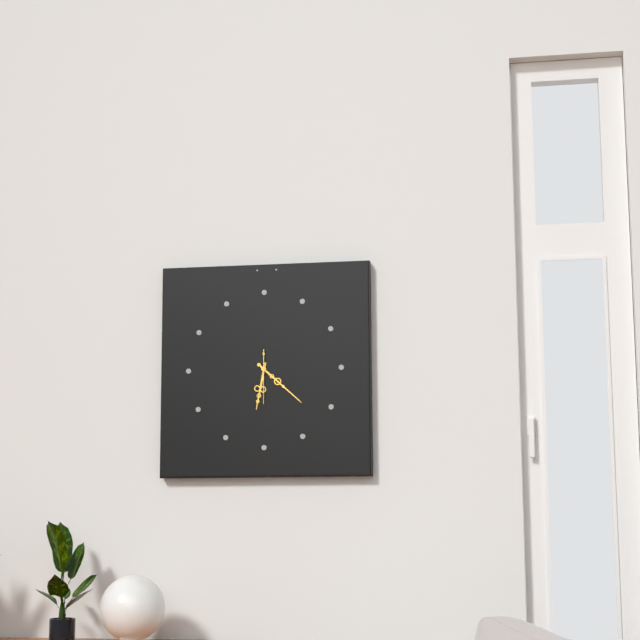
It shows 6h22
